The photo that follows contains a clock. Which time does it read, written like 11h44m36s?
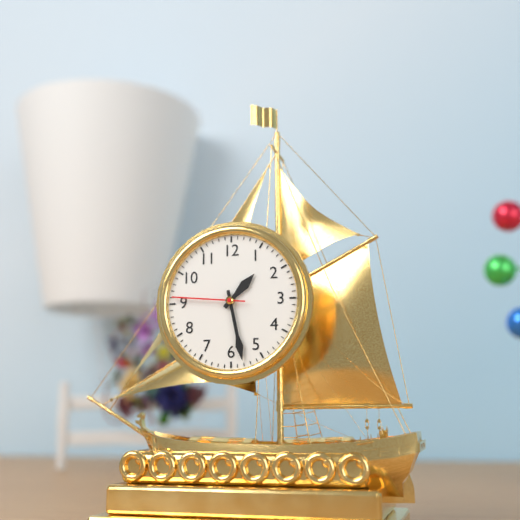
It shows 1h28m46s
